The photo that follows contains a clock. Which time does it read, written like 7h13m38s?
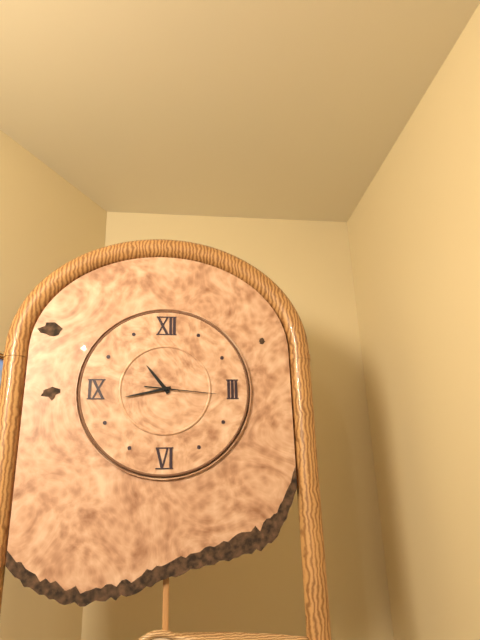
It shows 10h43m16s
